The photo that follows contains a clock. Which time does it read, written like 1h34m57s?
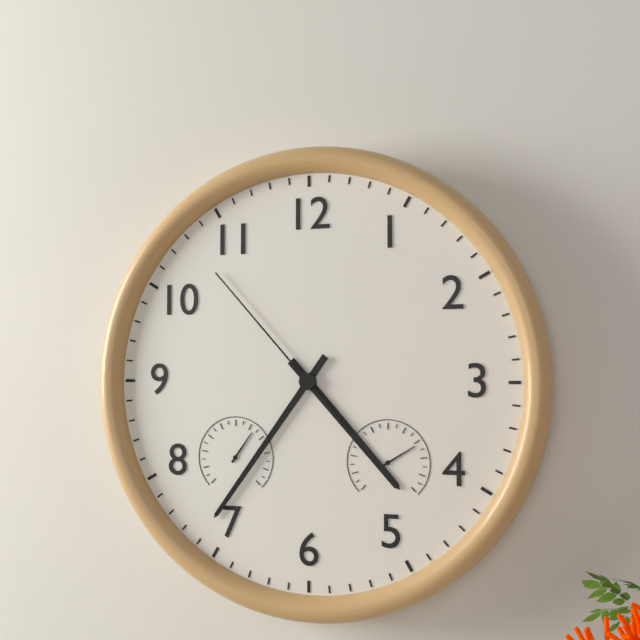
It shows 4h36m53s
